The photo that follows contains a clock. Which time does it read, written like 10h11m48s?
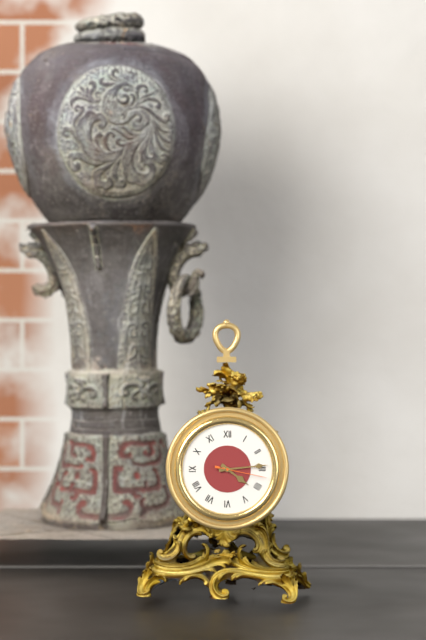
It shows 4h14m17s
